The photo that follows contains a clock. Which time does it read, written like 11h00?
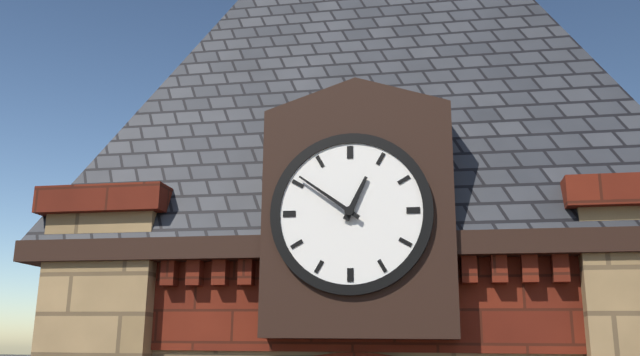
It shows 12h51
